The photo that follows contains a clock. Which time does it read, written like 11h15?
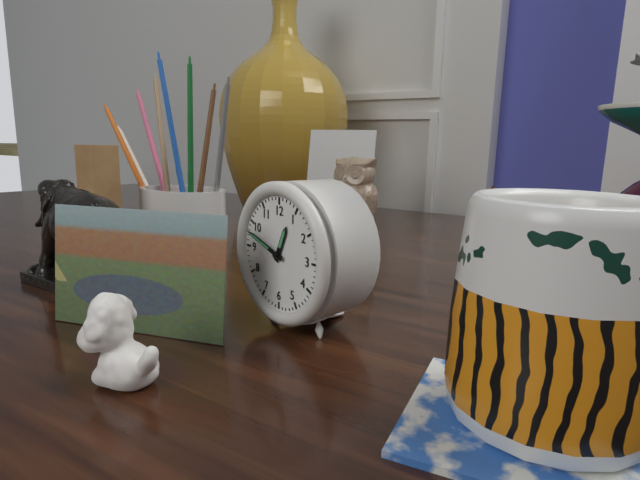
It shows 12h48
